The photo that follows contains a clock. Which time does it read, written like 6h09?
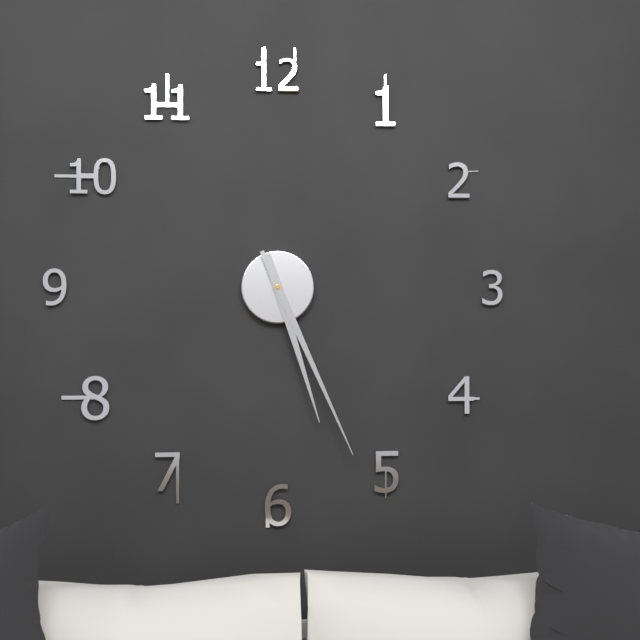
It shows 5h26
